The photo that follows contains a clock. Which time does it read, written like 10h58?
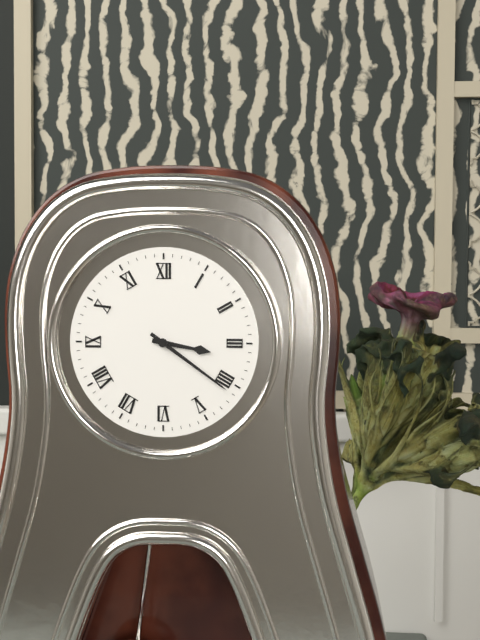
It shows 3h21
